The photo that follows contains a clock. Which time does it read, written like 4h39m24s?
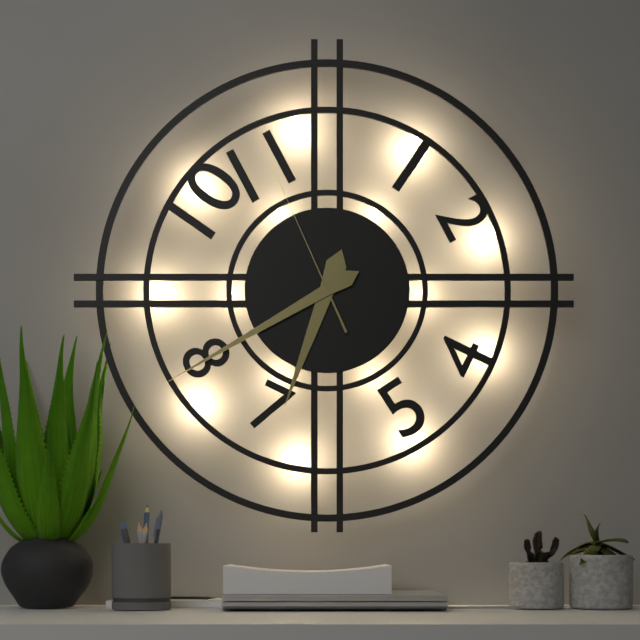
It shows 6h40m56s
